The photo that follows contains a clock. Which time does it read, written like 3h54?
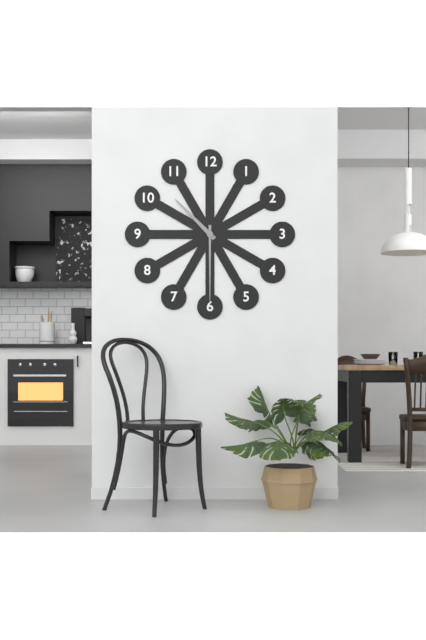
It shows 10h30
